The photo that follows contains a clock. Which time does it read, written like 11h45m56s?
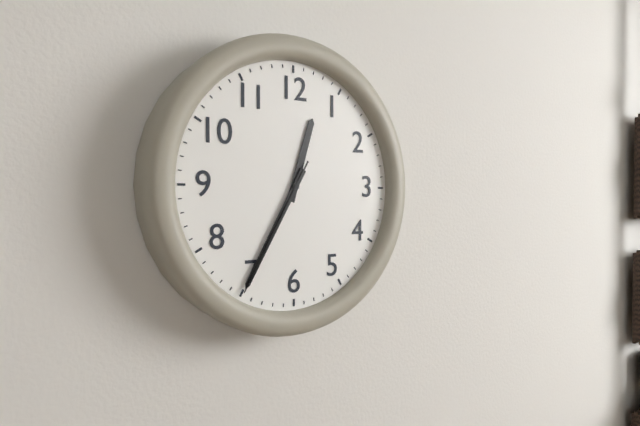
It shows 12h35m35s
